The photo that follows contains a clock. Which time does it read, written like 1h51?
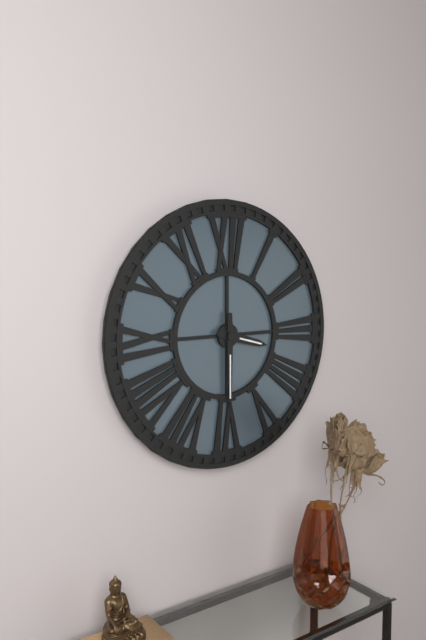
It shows 3h30
